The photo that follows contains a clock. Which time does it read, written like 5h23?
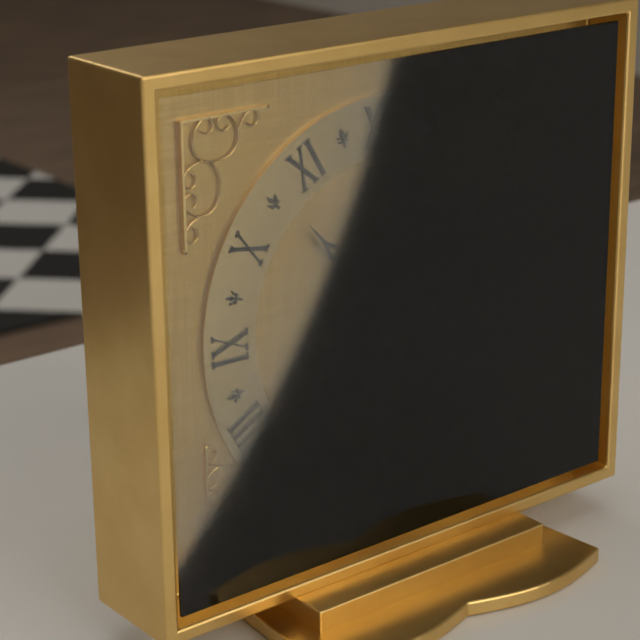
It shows 11h53
